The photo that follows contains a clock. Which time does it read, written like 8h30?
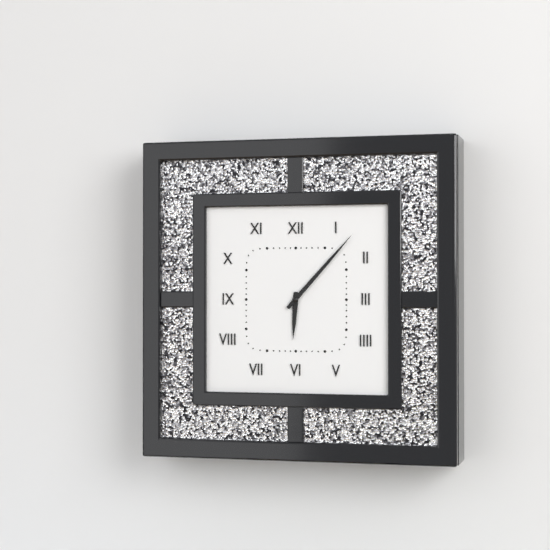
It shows 6h07
